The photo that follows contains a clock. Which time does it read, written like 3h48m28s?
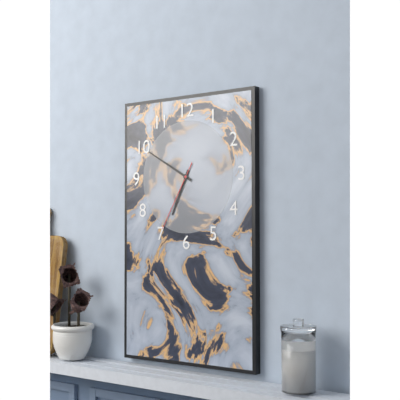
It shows 6h50m35s
